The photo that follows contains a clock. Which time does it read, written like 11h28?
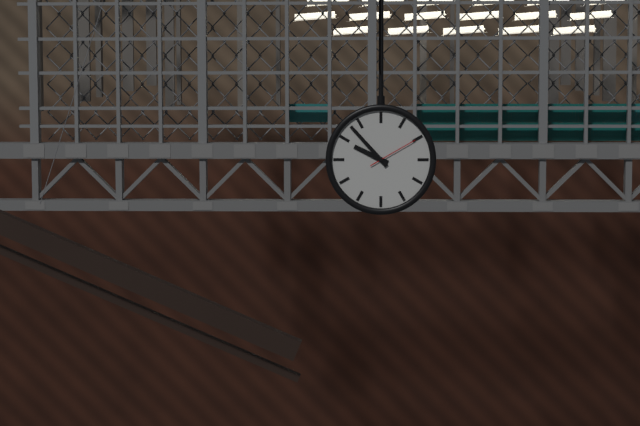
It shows 9h53
